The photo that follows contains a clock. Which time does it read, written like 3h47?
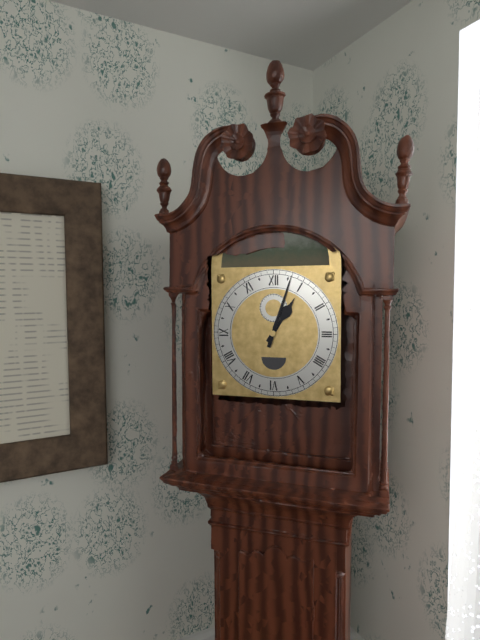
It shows 1h03
